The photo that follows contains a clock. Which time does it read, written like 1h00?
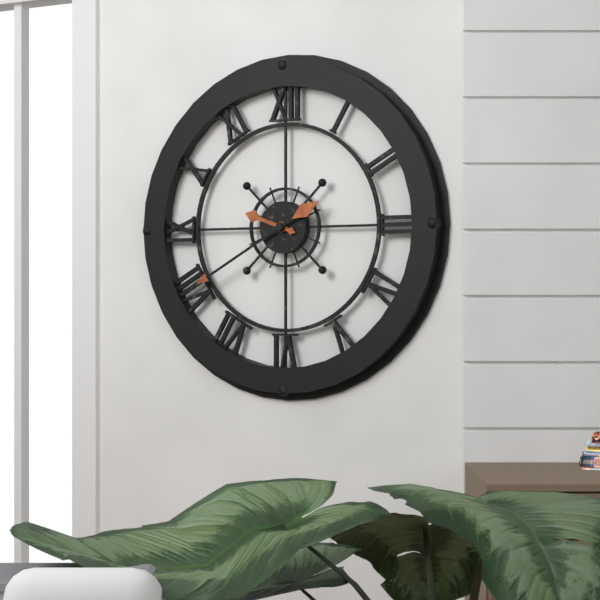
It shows 9h40
